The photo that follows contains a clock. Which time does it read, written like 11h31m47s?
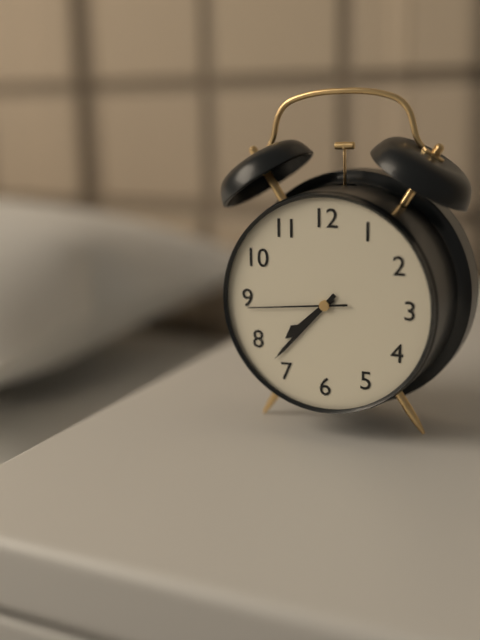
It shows 7h37m44s
